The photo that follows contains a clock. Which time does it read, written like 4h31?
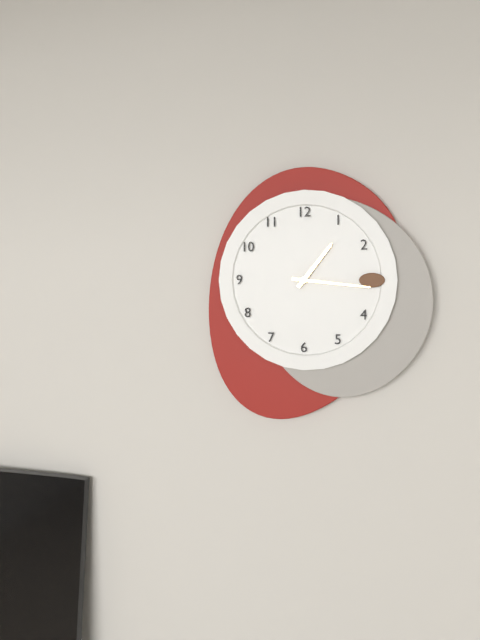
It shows 1h16
